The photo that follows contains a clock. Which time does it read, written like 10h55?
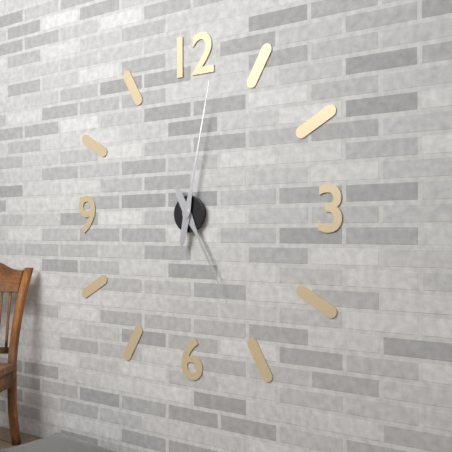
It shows 5h02
